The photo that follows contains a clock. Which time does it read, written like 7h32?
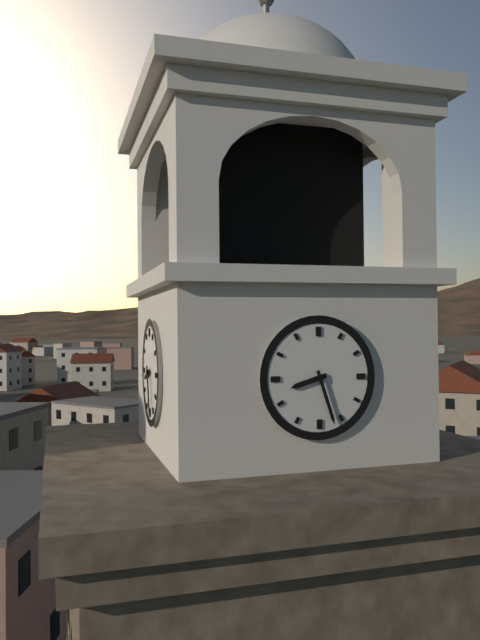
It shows 8h27
